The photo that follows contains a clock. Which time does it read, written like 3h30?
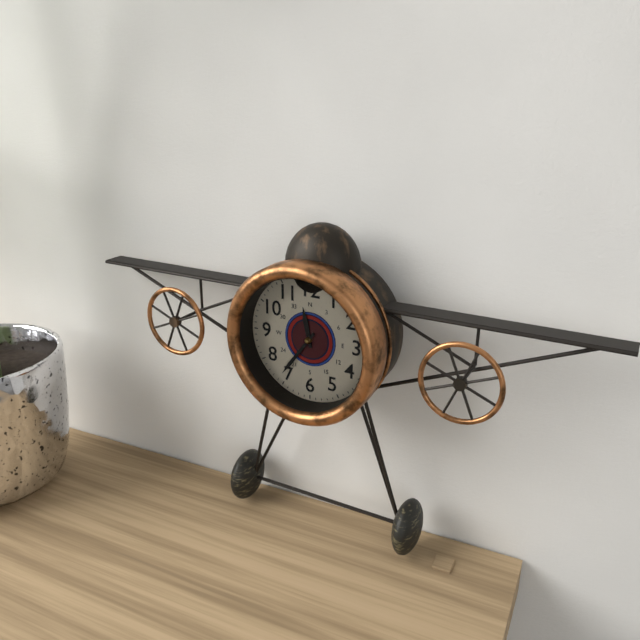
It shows 11h36
